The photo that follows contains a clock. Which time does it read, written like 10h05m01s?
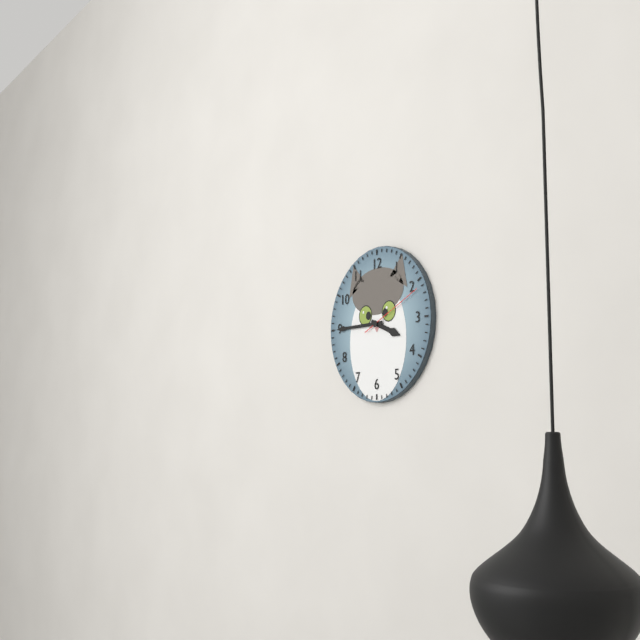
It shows 3h45m11s
